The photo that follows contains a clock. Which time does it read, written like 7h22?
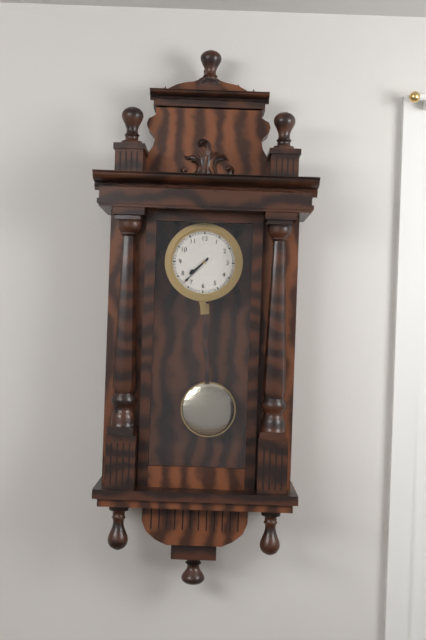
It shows 7h37
